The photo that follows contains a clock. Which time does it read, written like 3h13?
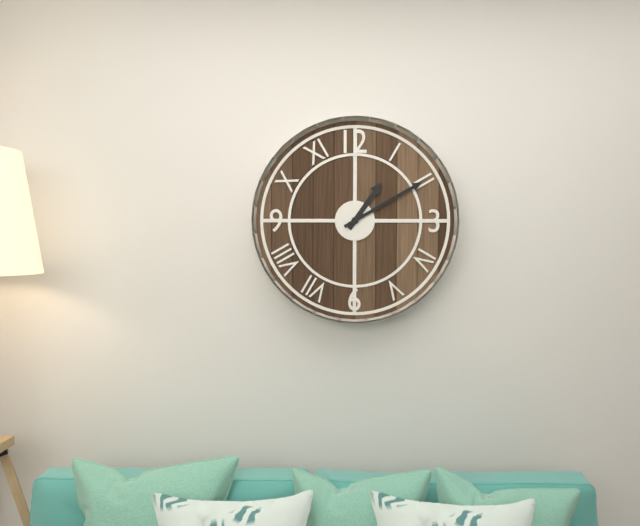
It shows 1h10
